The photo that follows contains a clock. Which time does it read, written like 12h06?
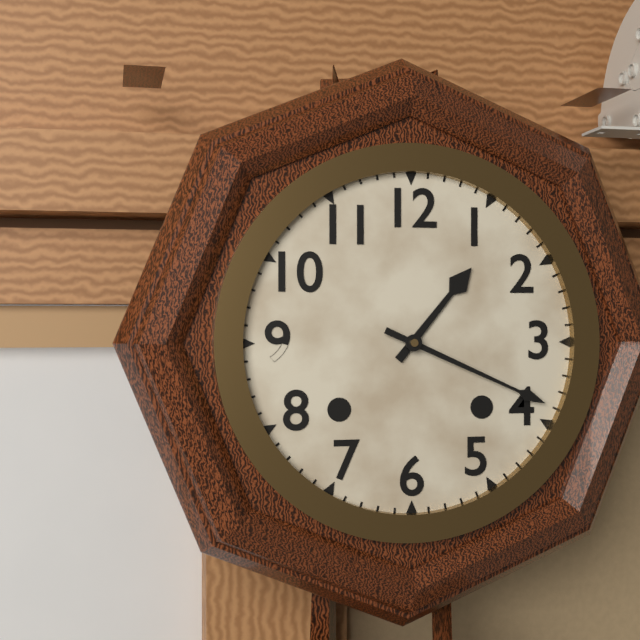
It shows 1h19
